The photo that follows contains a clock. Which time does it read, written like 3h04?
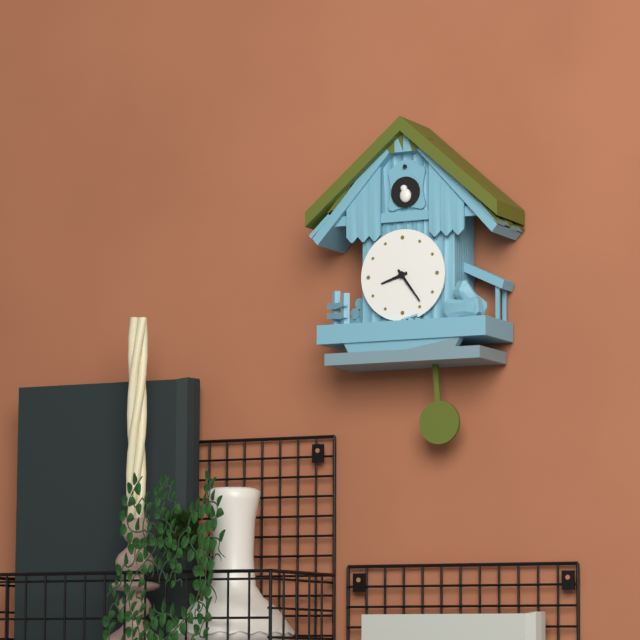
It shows 8h24
